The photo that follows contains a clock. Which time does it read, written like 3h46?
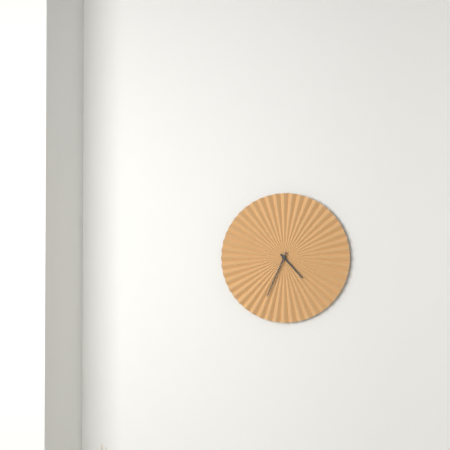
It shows 4h34
